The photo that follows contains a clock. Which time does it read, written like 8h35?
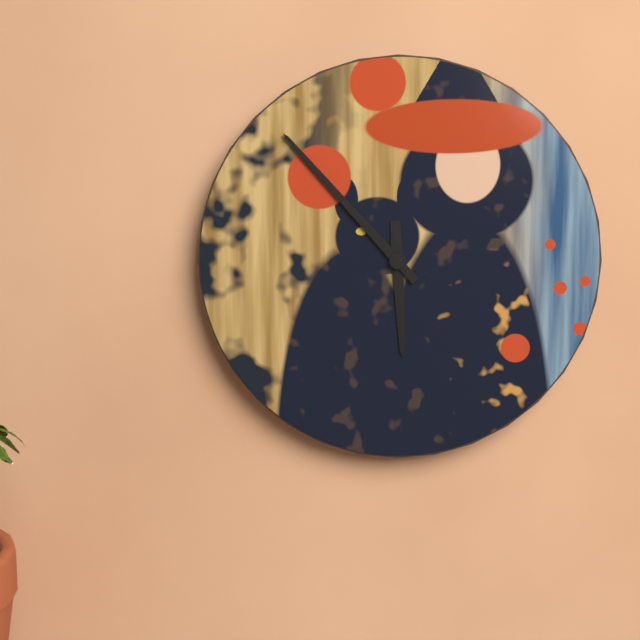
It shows 5h53
